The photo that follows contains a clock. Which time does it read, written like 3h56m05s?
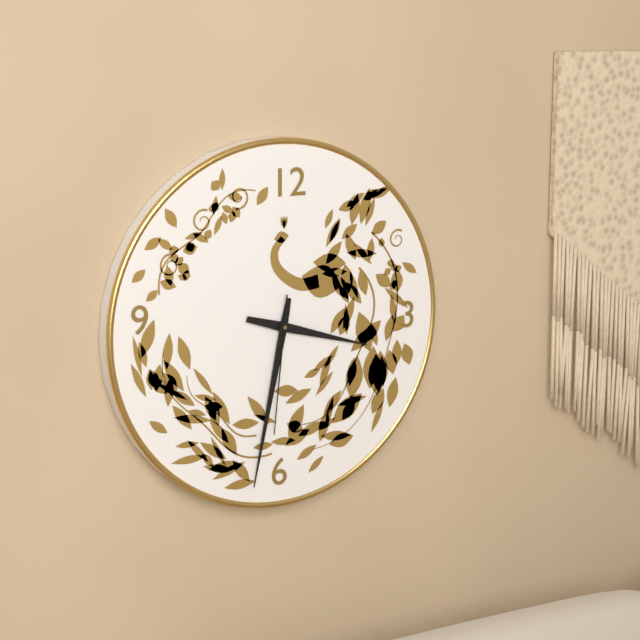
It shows 3h32m31s
